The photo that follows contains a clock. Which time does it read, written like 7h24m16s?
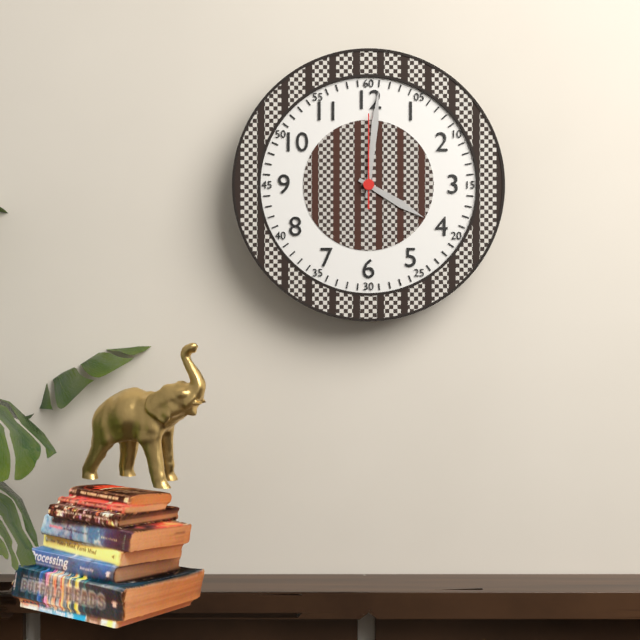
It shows 4h01m00s
